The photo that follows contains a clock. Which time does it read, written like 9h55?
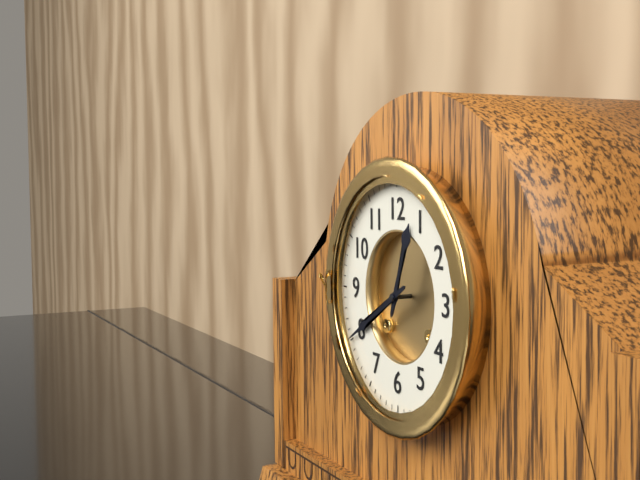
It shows 12h40
